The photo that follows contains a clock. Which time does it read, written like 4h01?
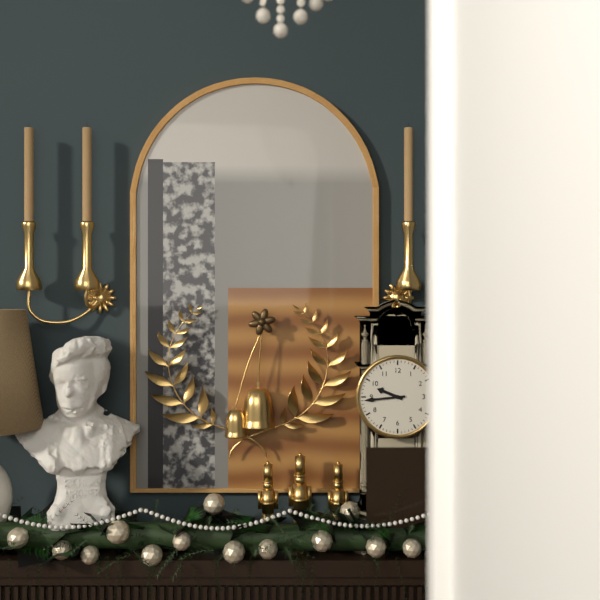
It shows 9h44
